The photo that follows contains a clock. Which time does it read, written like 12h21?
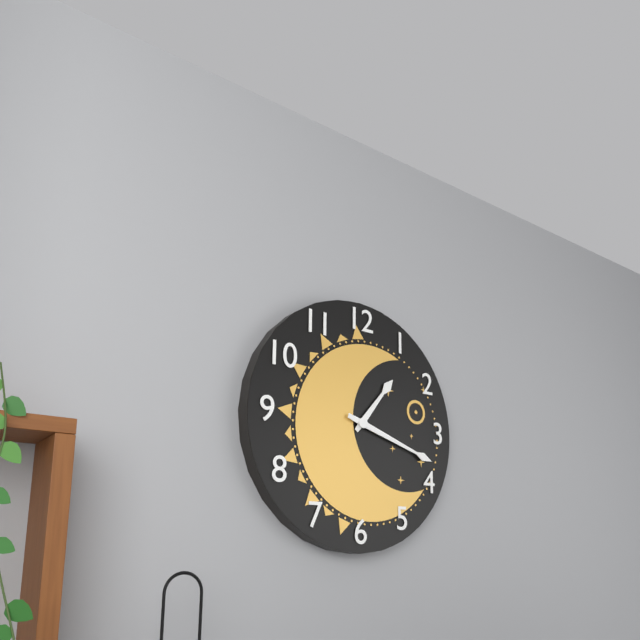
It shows 1h18
